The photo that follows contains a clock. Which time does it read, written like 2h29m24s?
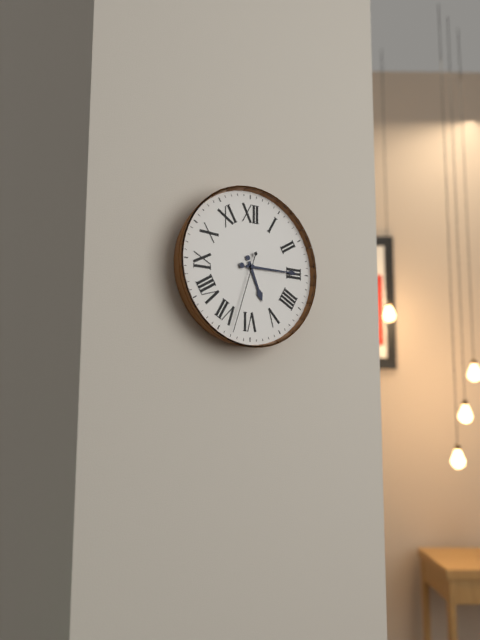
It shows 5h15m33s
